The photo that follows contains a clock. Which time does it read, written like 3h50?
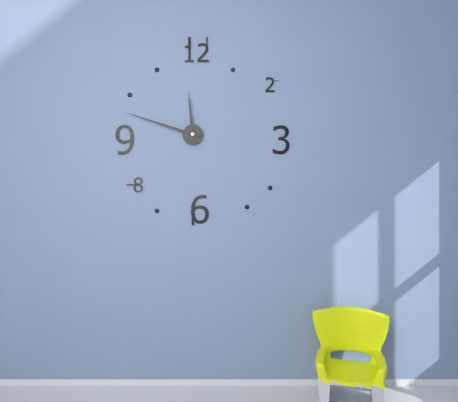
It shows 11h48
